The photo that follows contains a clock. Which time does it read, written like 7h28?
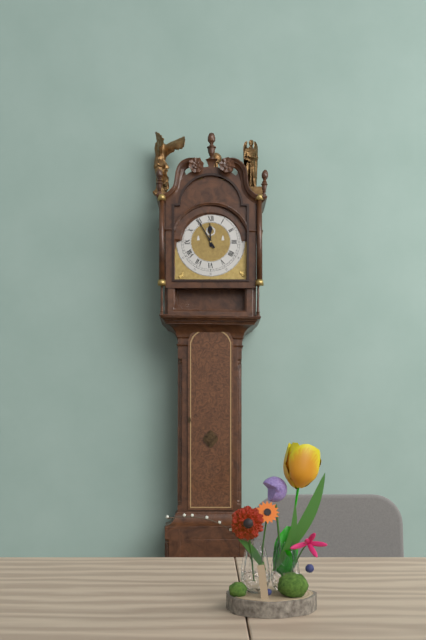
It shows 11h55
